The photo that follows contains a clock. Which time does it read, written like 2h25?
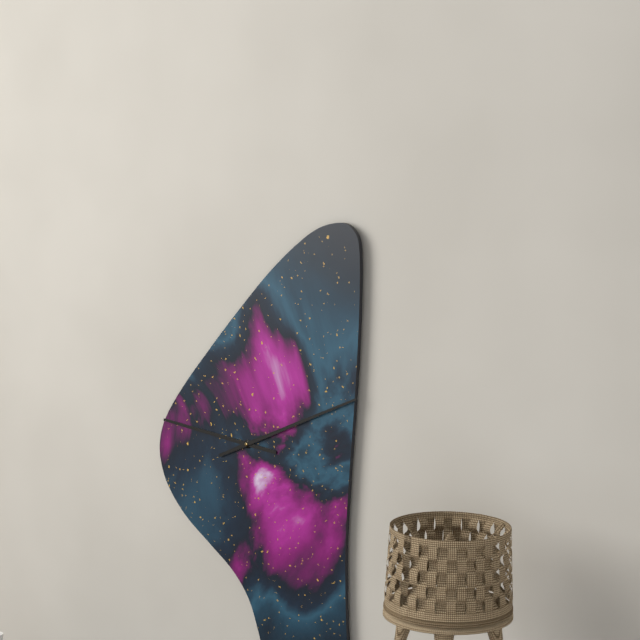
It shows 9h11
